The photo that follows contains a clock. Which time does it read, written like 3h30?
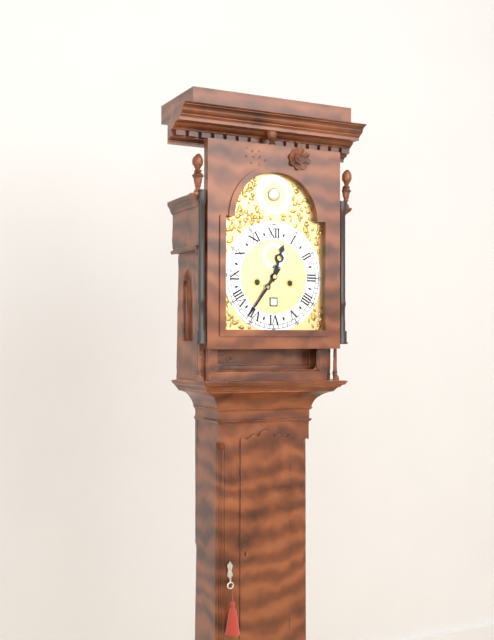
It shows 12h36
